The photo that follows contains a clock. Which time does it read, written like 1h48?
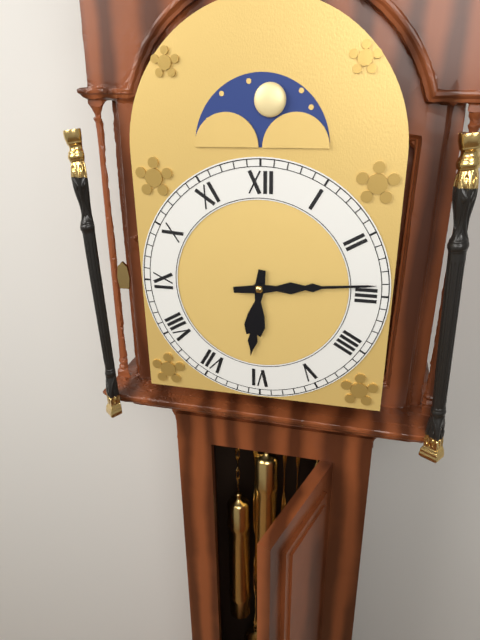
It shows 6h14
